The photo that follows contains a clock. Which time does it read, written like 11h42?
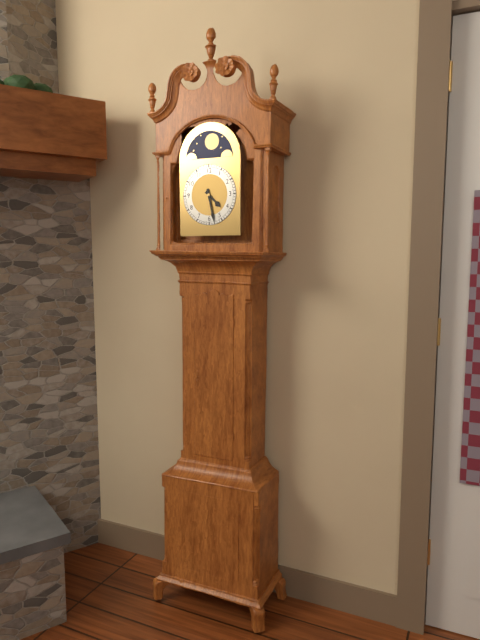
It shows 4h28
